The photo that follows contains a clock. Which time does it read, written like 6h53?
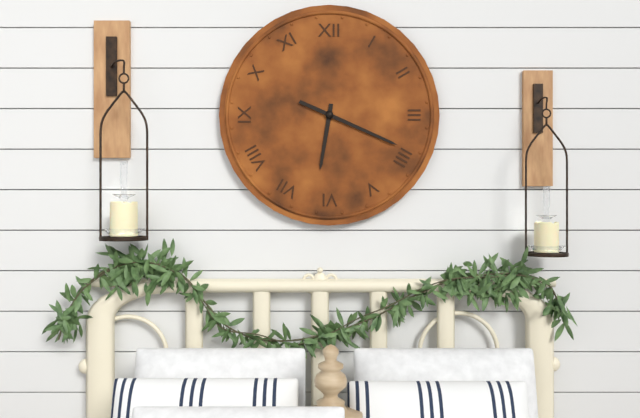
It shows 6h19
